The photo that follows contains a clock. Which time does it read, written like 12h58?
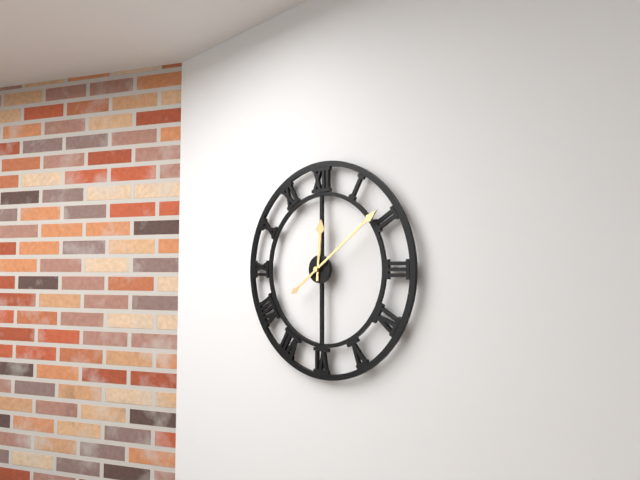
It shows 12h09
